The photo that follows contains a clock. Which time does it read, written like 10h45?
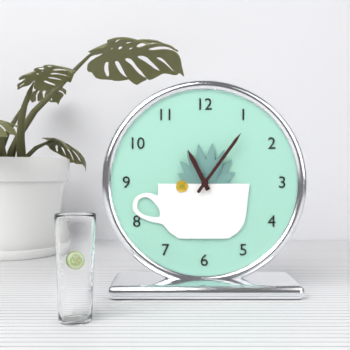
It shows 11h06
